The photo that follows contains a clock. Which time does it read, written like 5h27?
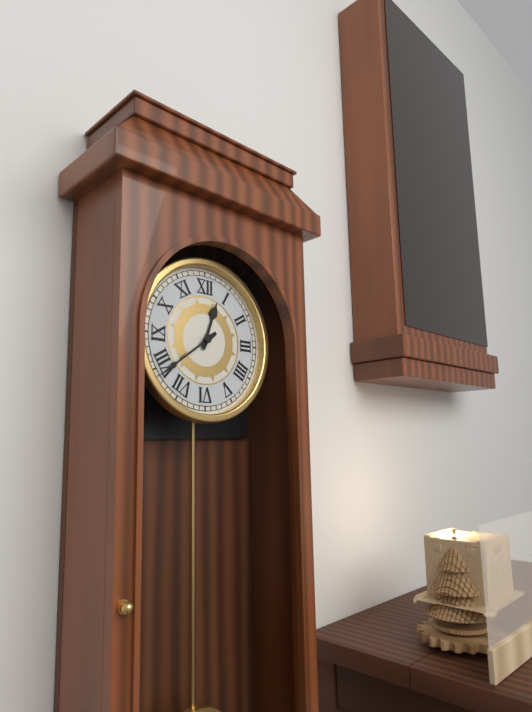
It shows 12h39
